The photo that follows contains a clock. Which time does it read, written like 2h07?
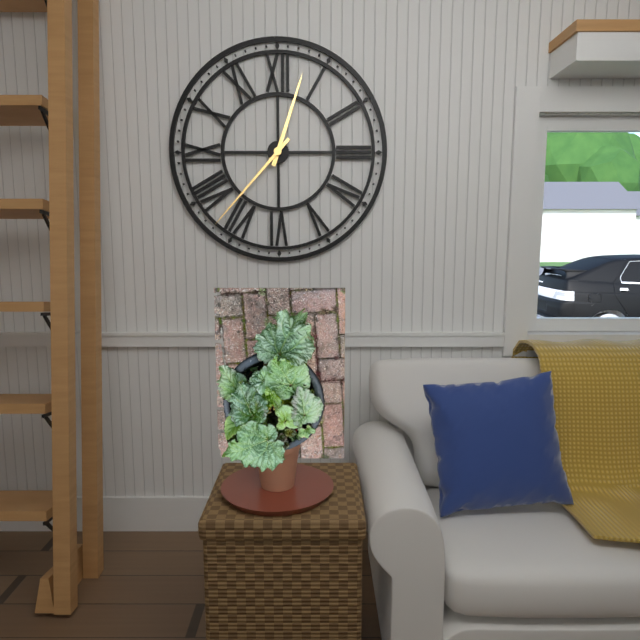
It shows 12h37
